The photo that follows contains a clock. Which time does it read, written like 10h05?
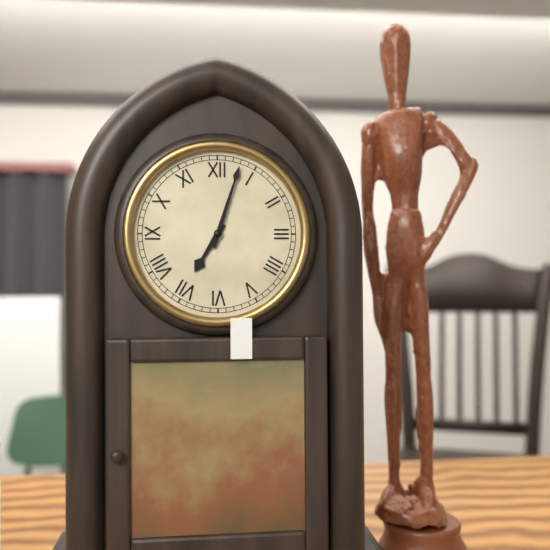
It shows 7h03
